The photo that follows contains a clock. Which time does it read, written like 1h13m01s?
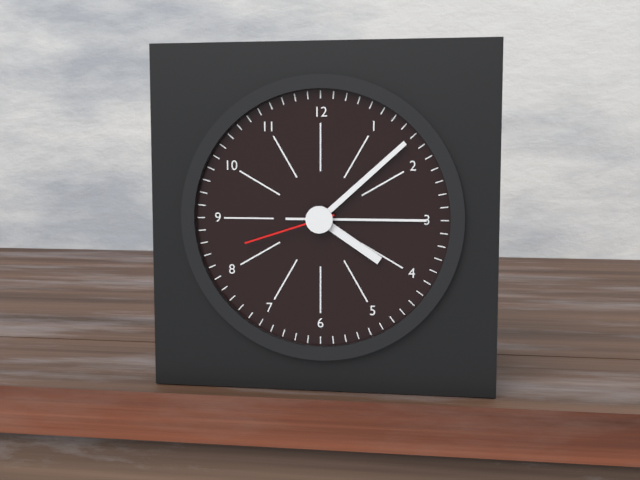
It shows 4h08m42s
